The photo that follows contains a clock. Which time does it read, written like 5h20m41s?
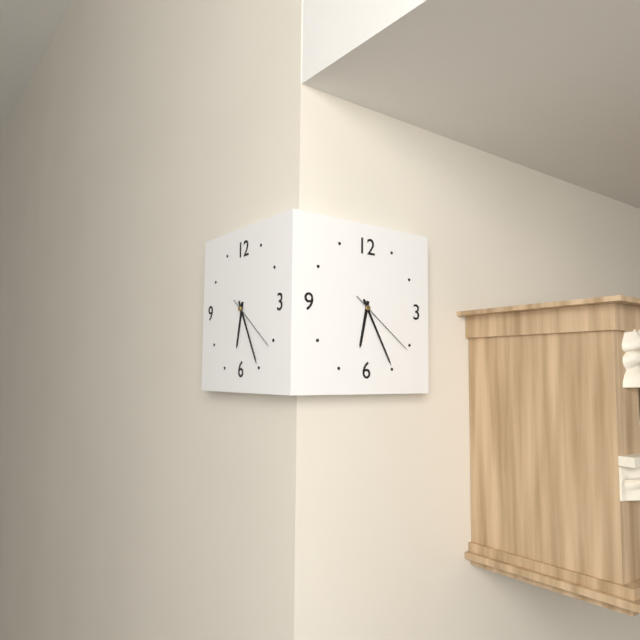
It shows 6h25m21s
